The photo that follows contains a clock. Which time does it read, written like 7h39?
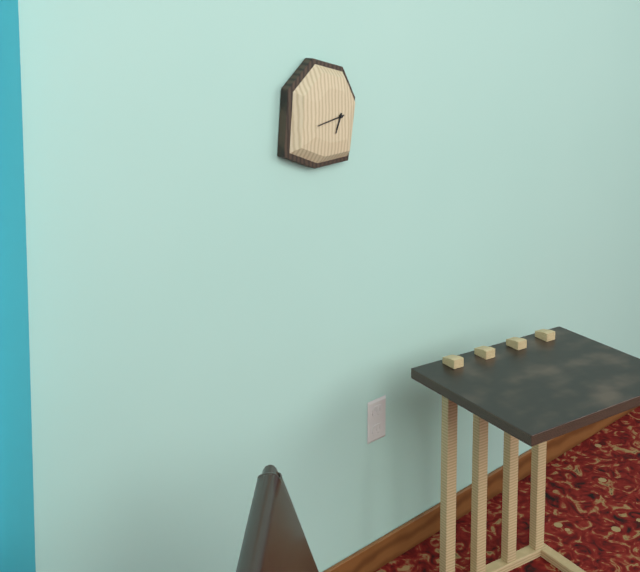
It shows 6h43
